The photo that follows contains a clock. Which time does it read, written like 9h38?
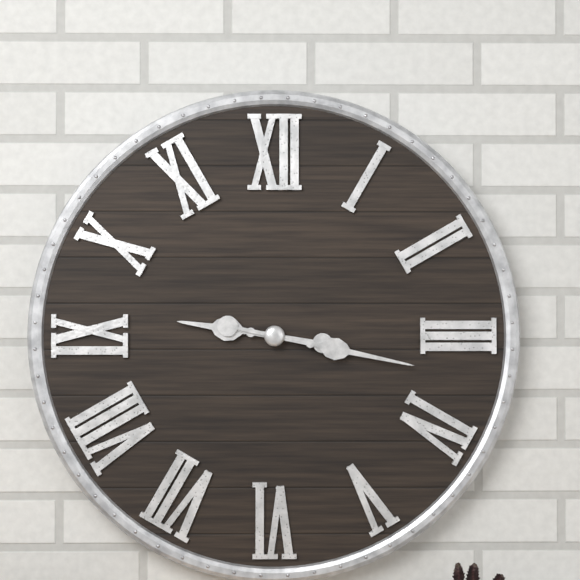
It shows 9h17
